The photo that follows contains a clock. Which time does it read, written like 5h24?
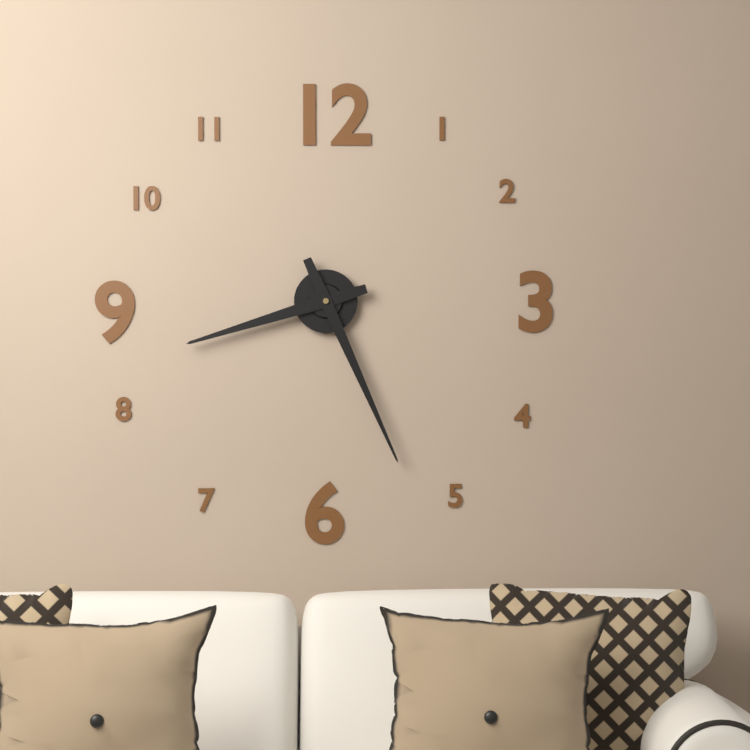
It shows 8h26
